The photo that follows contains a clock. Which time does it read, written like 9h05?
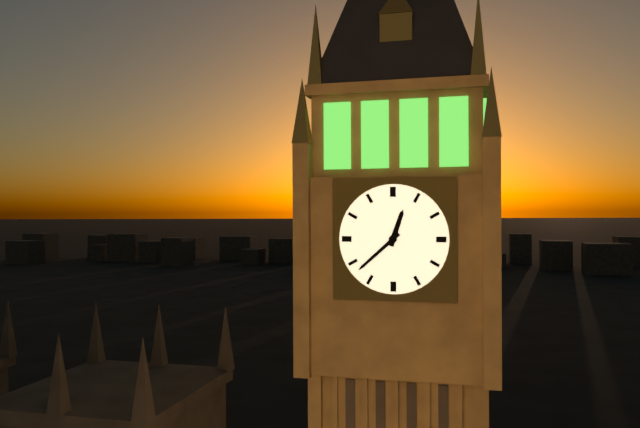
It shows 12h38
